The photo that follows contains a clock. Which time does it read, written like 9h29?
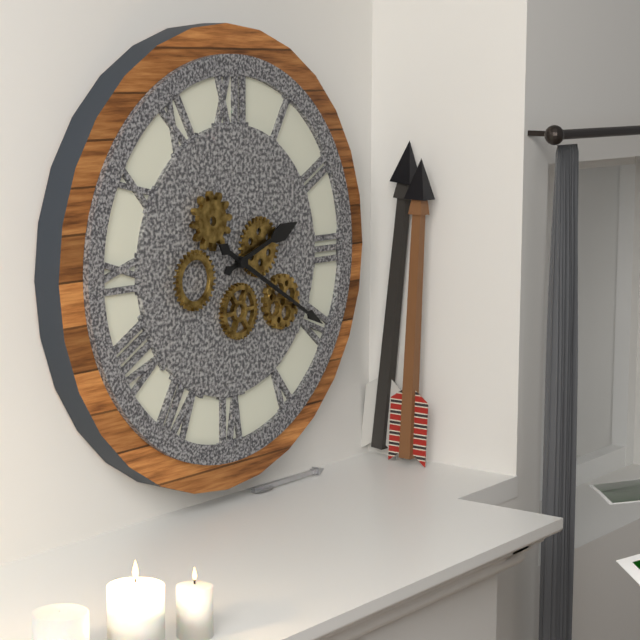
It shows 2h20
